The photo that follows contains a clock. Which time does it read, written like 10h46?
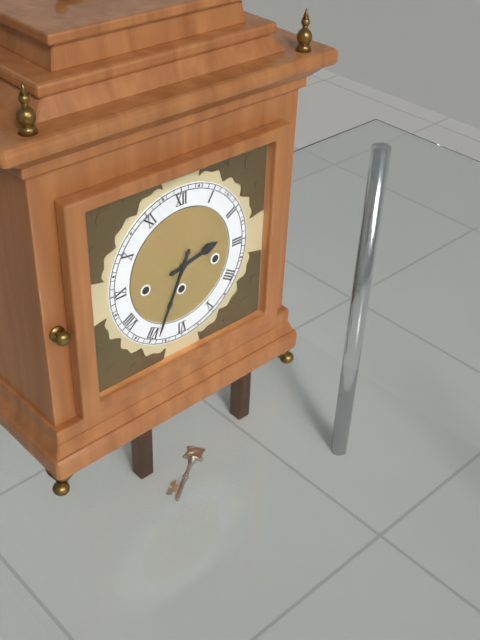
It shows 2h34
